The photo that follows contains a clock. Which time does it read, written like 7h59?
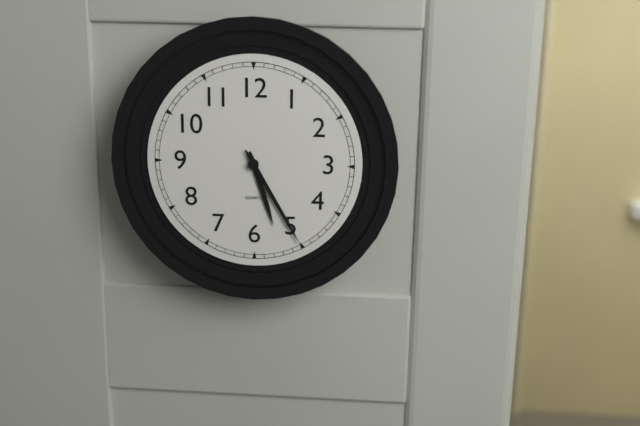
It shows 5h25
